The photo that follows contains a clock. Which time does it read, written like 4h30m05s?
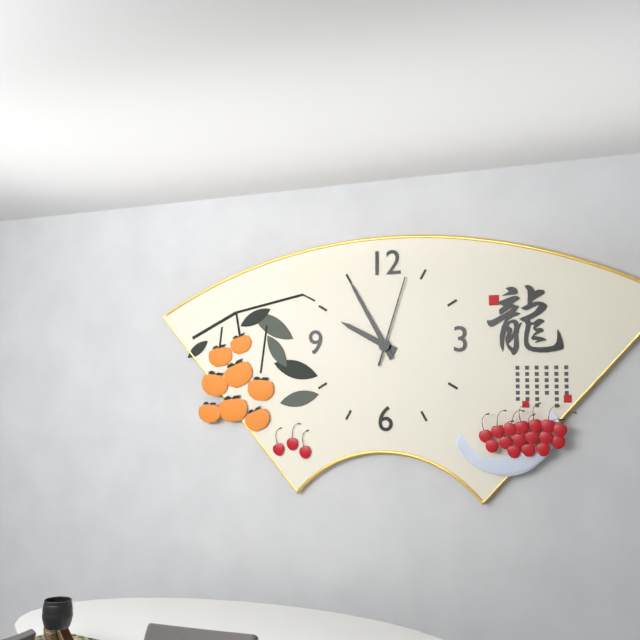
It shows 9h55m03s
